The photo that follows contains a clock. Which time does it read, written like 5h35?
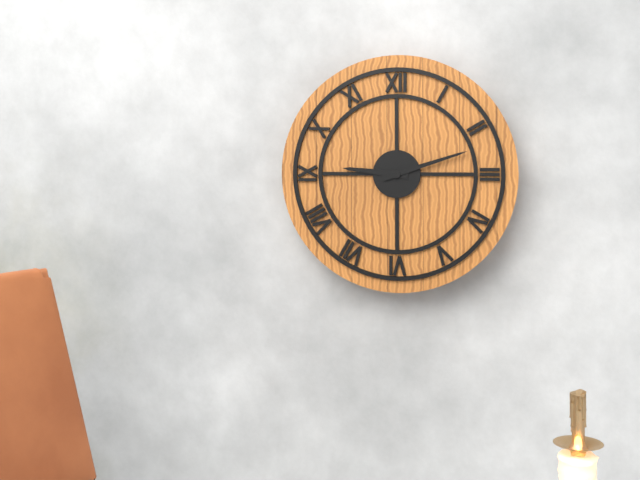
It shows 9h12
